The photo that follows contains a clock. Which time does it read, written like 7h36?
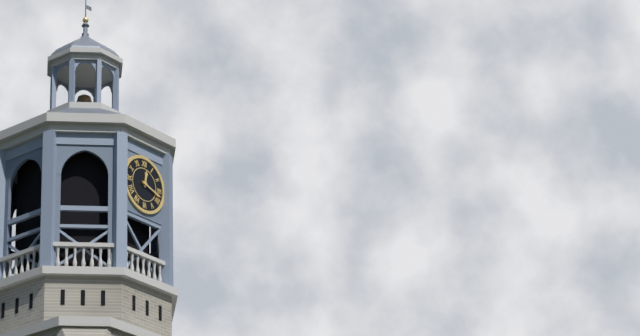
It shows 12h18
